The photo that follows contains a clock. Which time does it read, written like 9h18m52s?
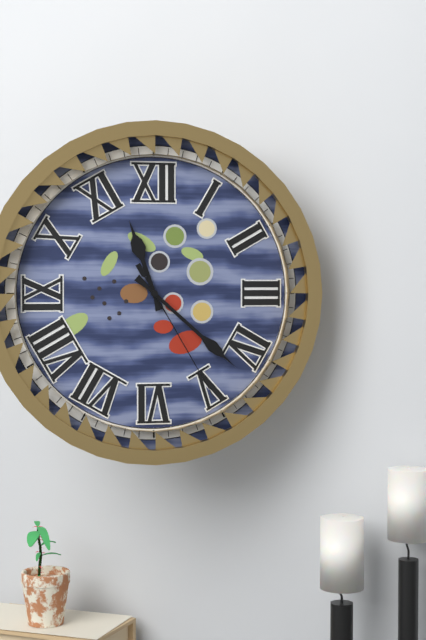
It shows 11h22m25s
